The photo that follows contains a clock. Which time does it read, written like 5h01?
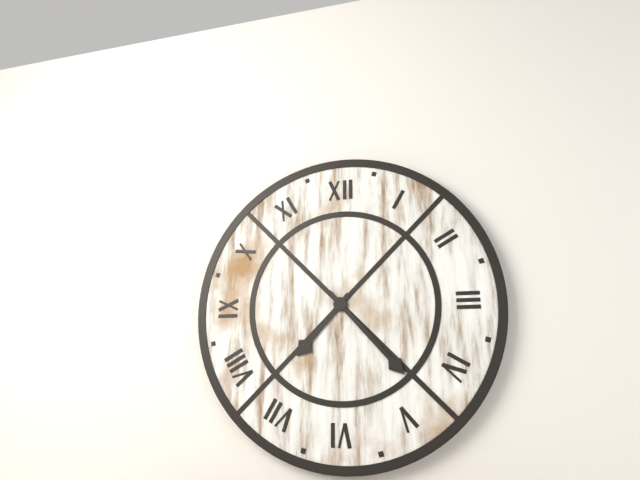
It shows 7h23
